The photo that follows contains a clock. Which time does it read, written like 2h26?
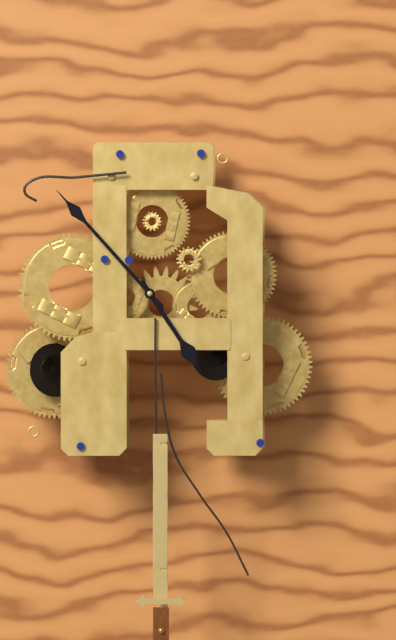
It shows 4h53
